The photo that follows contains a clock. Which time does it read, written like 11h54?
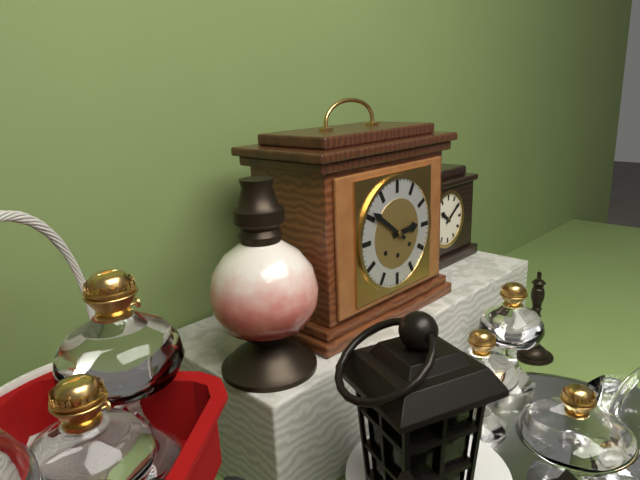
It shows 2h51
